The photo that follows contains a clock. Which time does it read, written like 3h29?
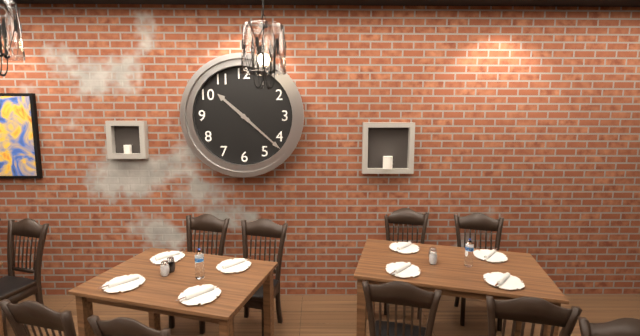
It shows 10h22
